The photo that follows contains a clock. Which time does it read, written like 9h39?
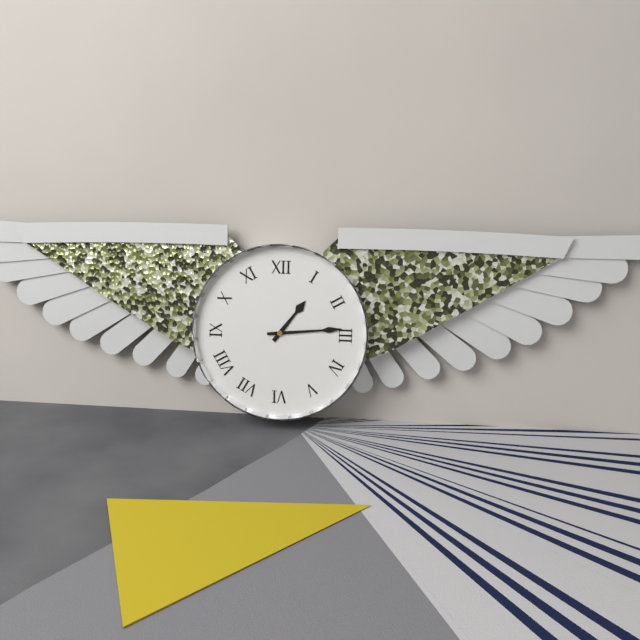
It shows 1h14
